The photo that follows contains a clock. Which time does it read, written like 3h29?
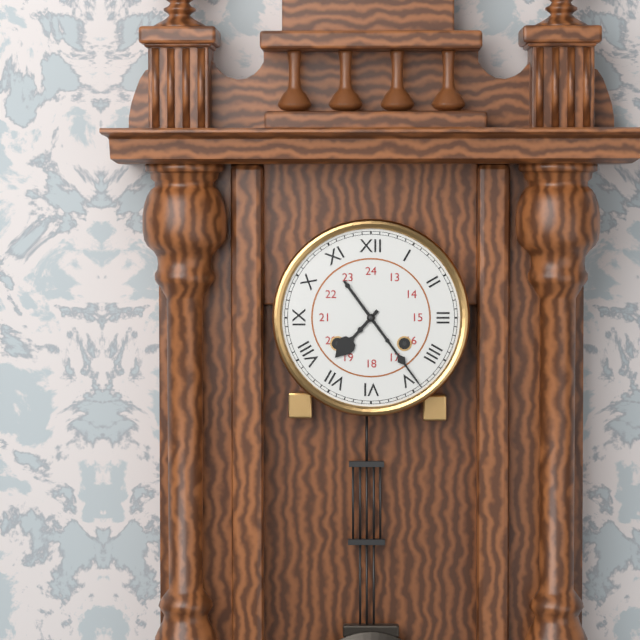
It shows 7h24
